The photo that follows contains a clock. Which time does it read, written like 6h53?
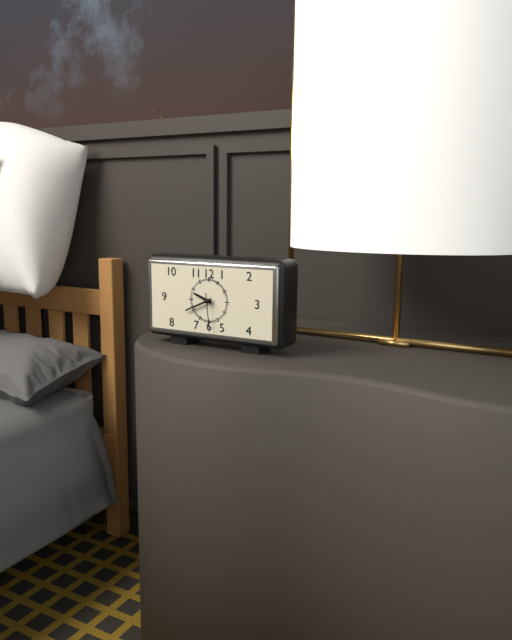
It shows 9h41
